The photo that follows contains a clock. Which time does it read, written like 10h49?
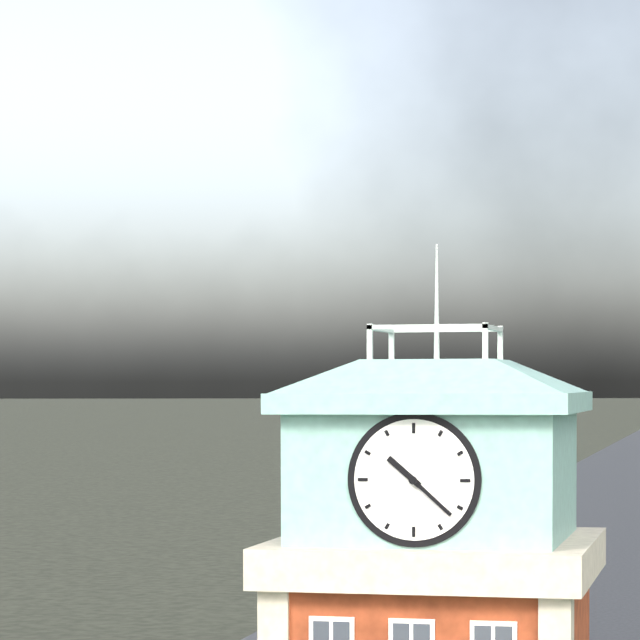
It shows 10h22
